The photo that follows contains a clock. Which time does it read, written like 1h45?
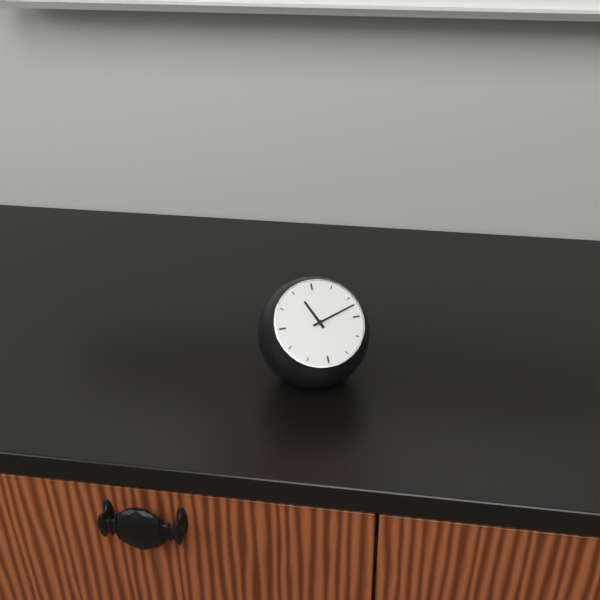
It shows 11h12
